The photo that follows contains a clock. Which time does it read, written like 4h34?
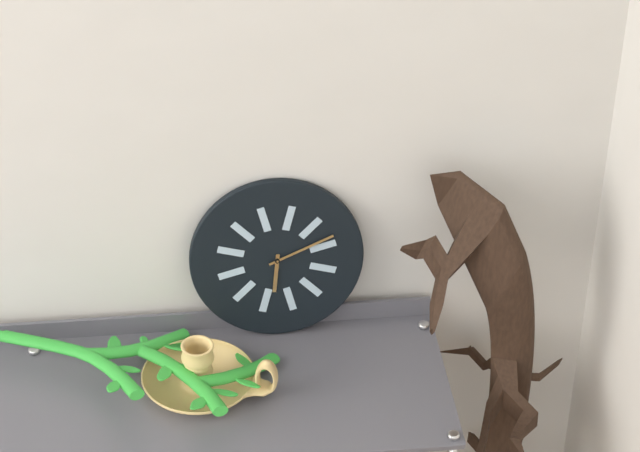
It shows 6h11
